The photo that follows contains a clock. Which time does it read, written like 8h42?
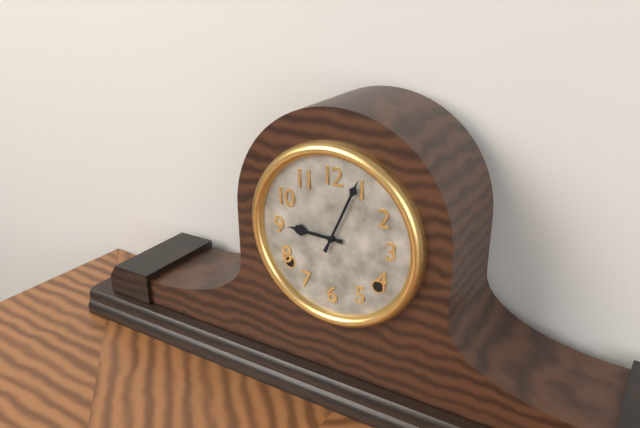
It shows 9h04
